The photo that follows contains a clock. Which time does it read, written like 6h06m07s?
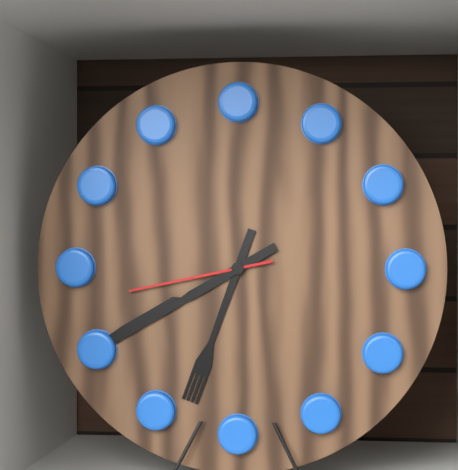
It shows 6h40m43s
